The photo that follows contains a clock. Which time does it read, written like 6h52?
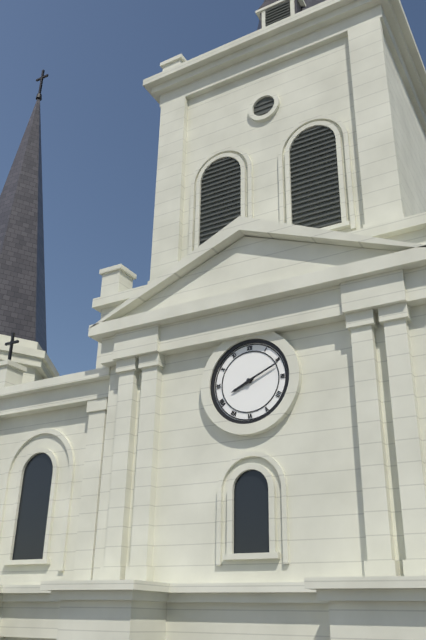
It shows 8h11
